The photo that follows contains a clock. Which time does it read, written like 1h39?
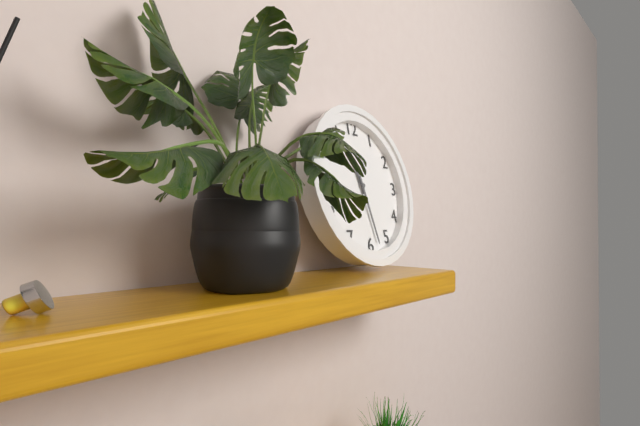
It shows 11h28
